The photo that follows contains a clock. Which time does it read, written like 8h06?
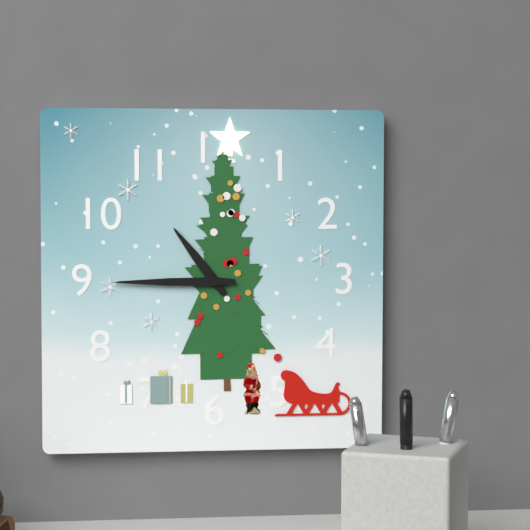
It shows 10h45
